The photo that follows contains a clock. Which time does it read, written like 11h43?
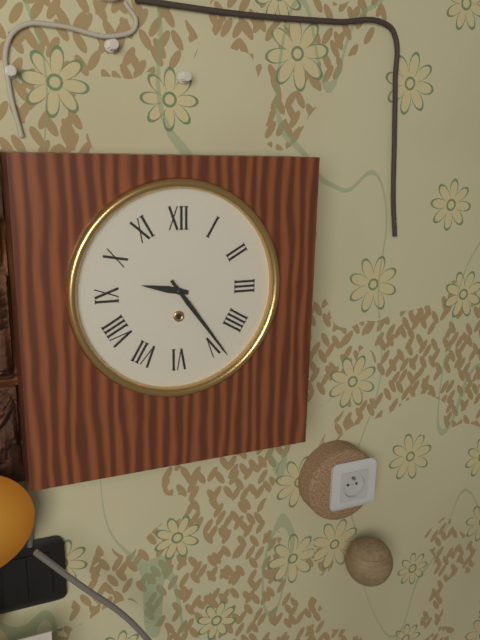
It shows 9h24
